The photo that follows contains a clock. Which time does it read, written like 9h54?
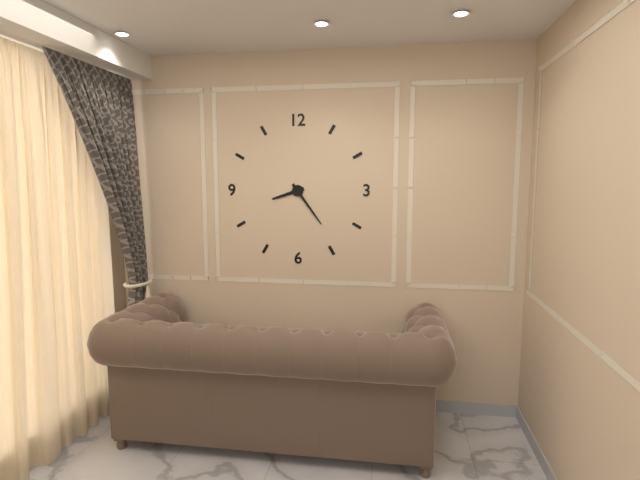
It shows 8h24
